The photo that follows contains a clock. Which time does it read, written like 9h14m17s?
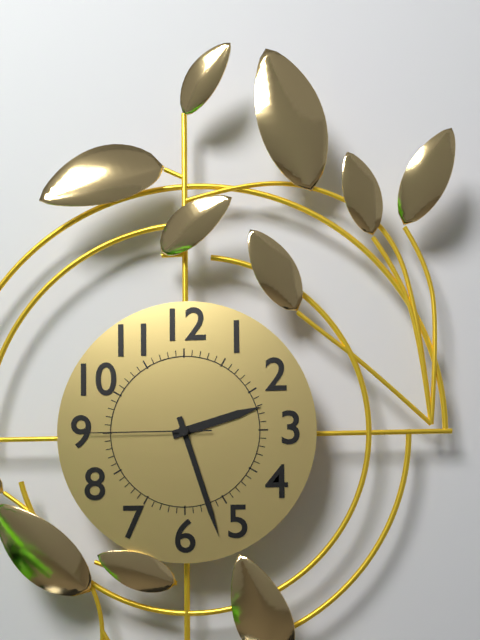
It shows 2h27m45s
